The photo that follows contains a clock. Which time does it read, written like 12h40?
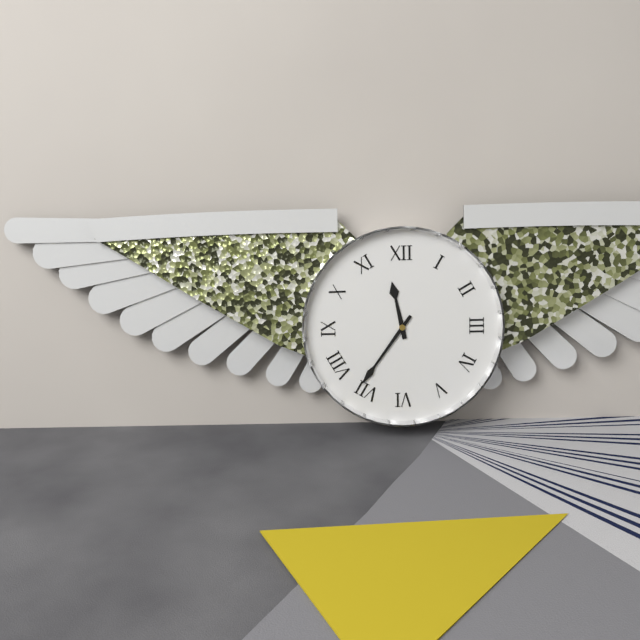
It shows 11h36
